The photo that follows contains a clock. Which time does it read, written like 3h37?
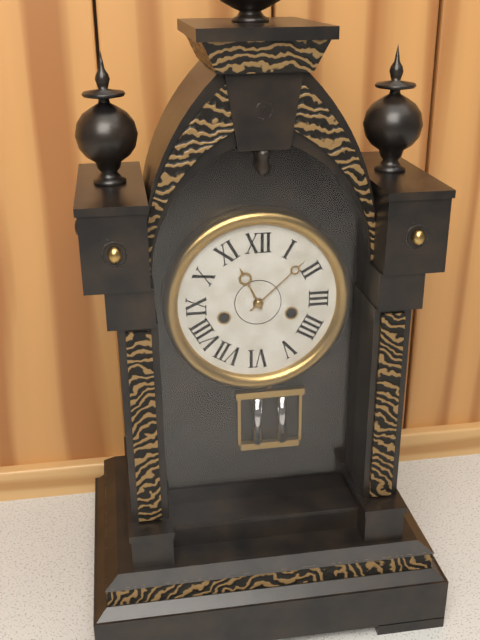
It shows 11h08
